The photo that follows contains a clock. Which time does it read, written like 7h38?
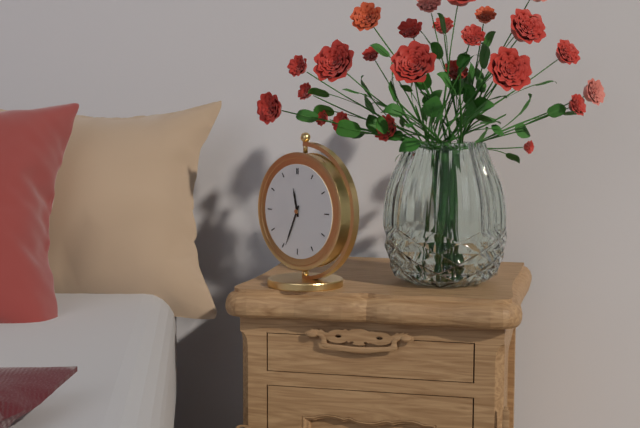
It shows 11h34
